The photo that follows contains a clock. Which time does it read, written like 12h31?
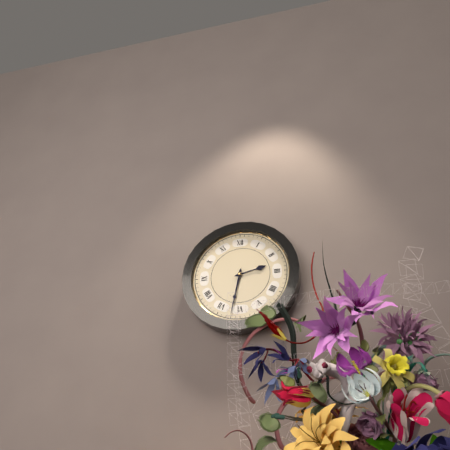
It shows 2h32
